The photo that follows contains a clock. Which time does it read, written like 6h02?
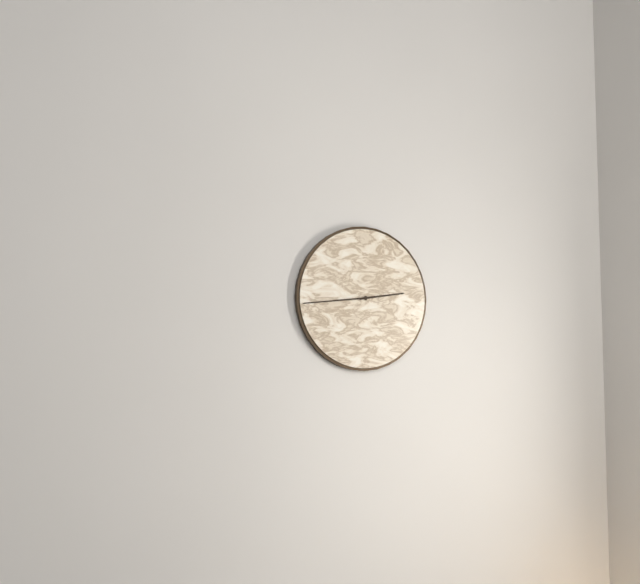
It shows 2h44
